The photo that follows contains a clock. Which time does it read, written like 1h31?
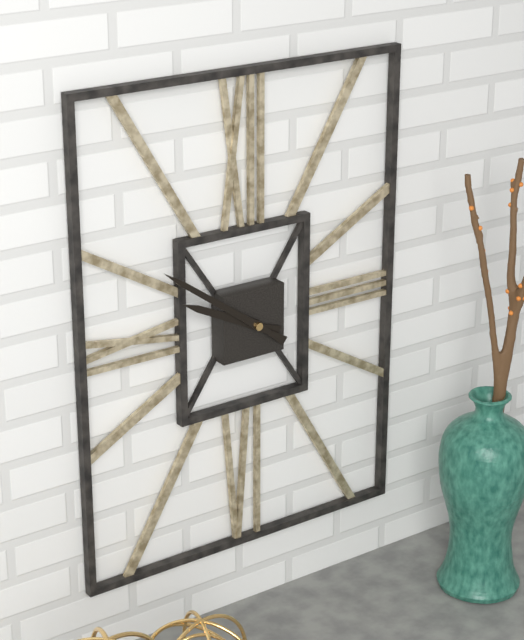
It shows 9h51
